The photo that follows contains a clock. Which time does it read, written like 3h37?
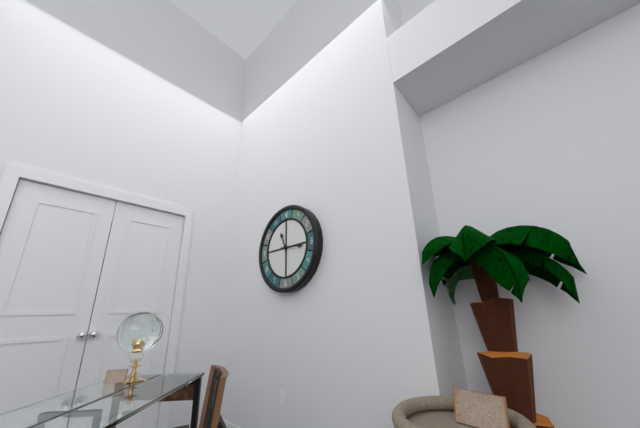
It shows 11h16
